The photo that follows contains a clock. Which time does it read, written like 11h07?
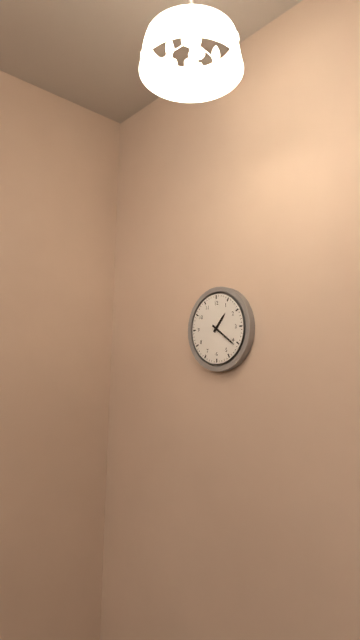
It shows 1h21
